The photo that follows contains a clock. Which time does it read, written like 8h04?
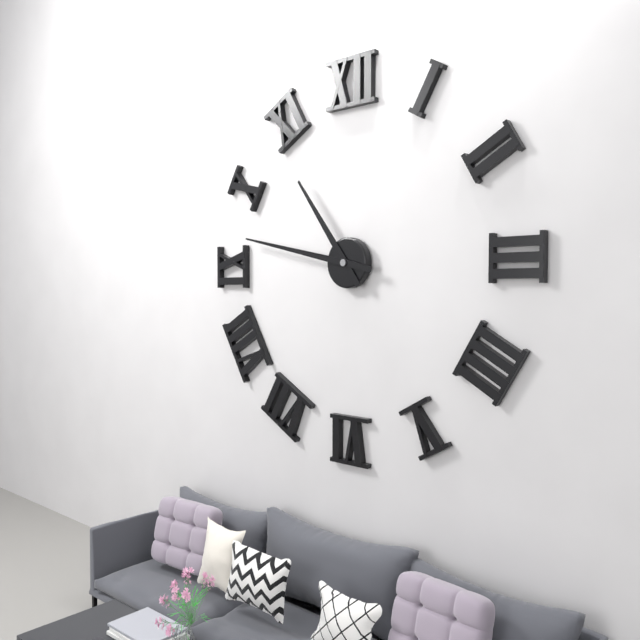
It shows 10h47
